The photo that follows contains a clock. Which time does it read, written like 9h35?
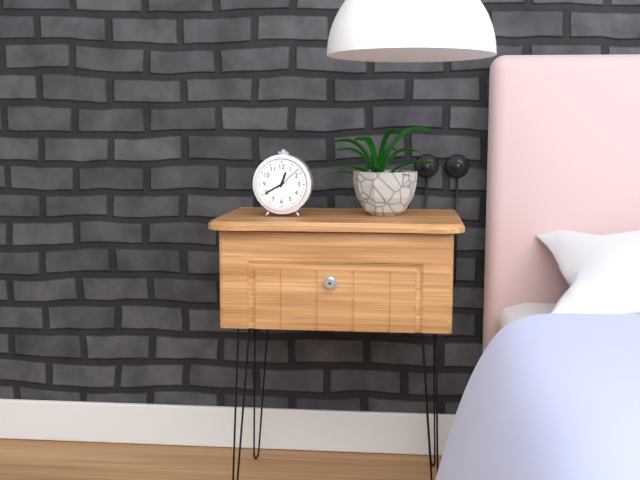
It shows 12h40
